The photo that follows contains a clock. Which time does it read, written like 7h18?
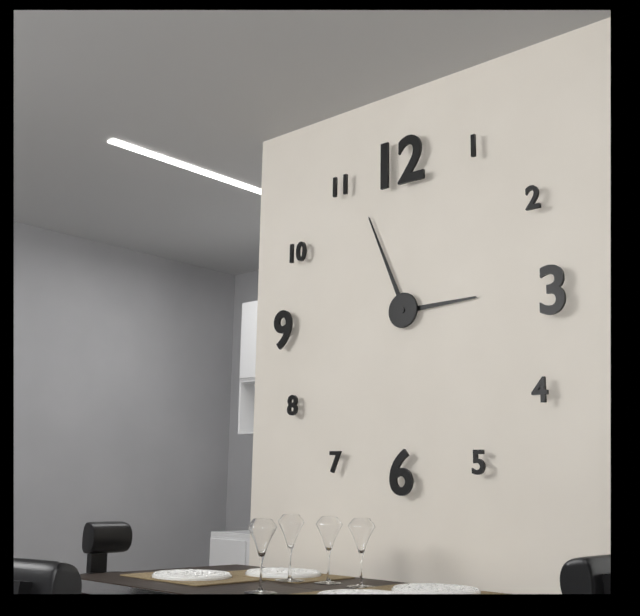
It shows 2h56
